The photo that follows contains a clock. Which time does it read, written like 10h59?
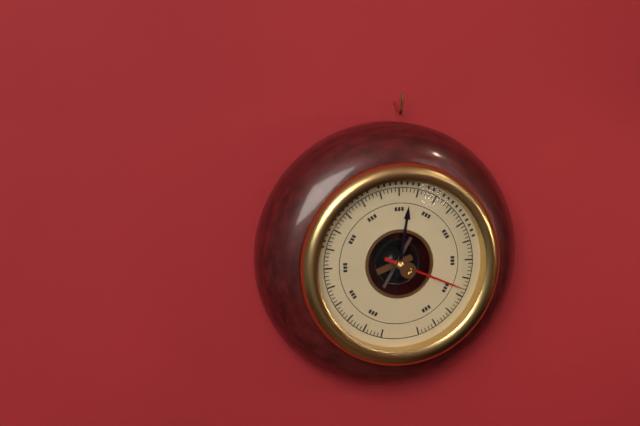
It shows 12h19
